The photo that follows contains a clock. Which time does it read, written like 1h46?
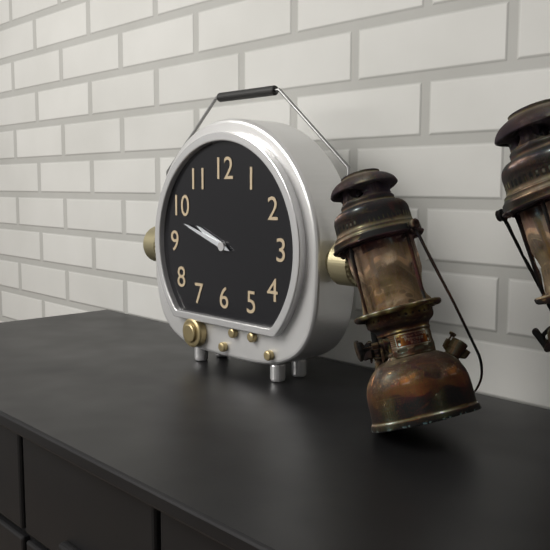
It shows 9h48
